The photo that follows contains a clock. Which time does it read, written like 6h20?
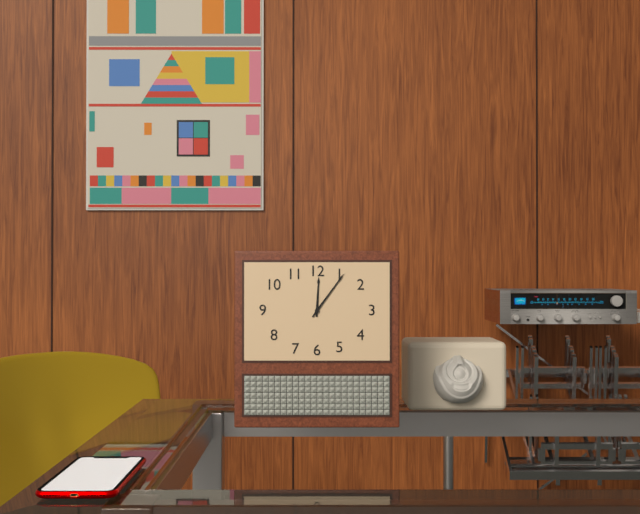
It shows 12h06
